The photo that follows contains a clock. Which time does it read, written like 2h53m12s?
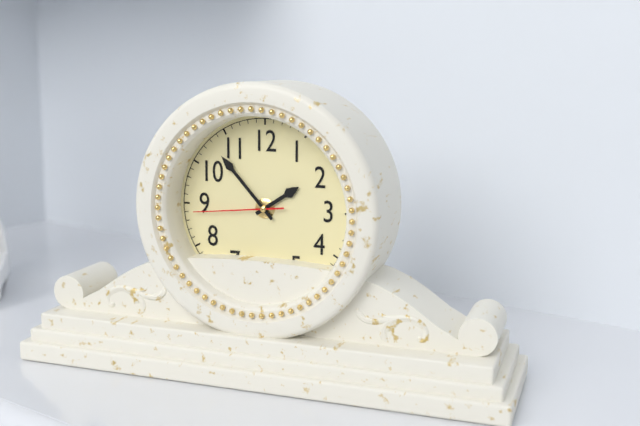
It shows 1h53m44s
